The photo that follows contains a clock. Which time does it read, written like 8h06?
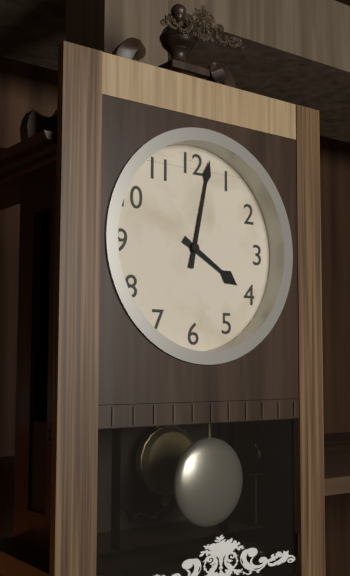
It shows 4h02
